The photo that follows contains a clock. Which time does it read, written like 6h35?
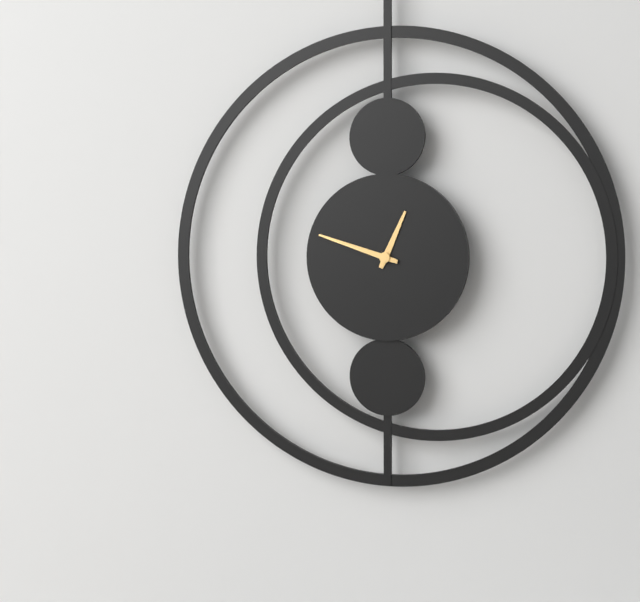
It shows 12h48
